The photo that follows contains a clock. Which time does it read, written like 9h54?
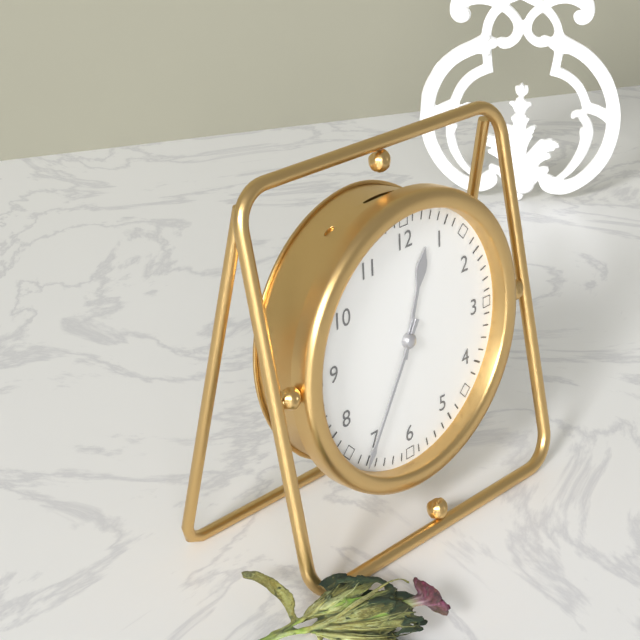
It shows 12h35
